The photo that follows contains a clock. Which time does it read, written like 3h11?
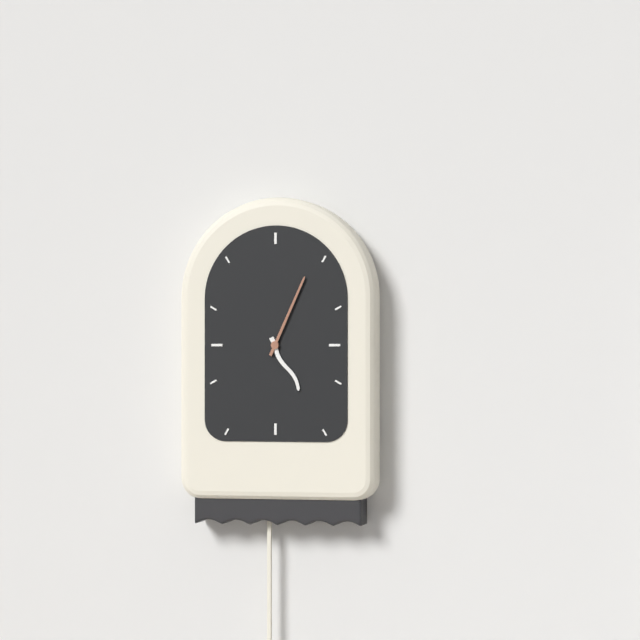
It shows 5h04
